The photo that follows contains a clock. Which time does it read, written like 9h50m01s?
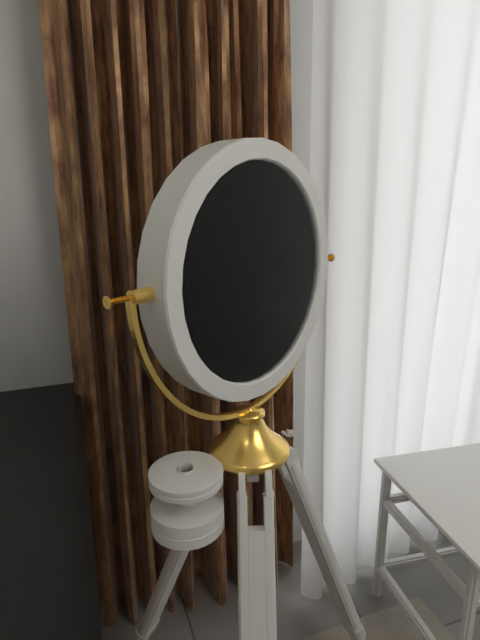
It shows 11h05m07s
